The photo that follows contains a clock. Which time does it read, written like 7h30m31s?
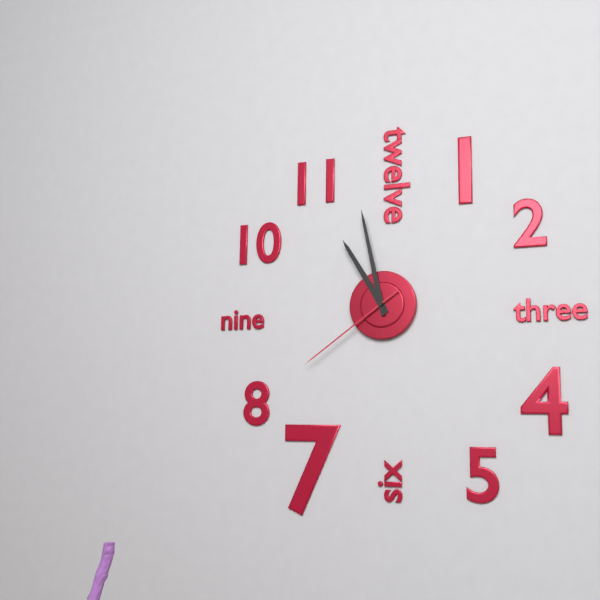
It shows 10h58m39s
